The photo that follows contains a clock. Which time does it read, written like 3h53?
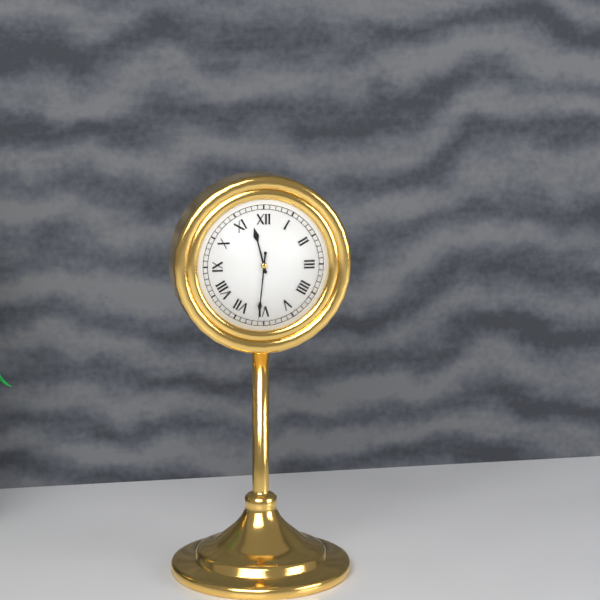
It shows 11h31
